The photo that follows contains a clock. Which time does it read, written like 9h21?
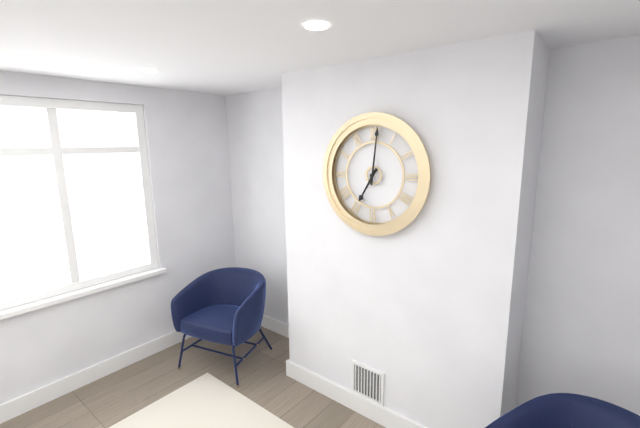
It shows 7h01
